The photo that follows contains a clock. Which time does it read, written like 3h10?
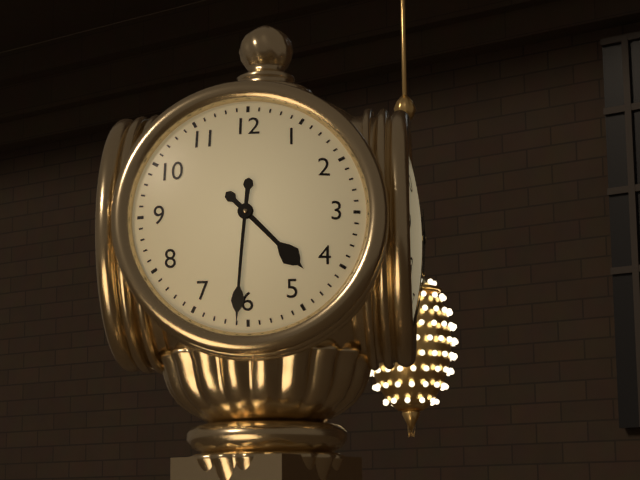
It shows 4h31
